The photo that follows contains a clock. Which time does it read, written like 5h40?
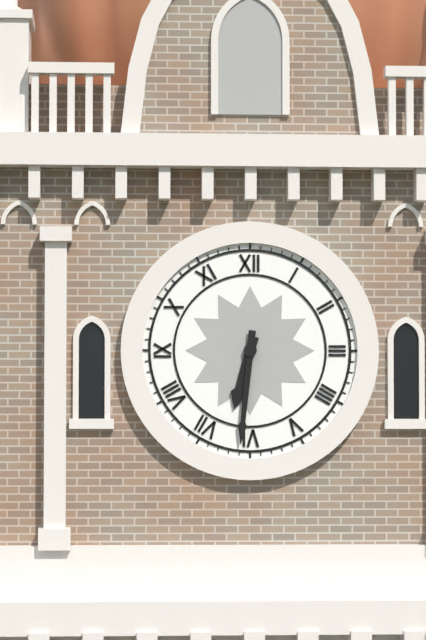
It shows 6h31
